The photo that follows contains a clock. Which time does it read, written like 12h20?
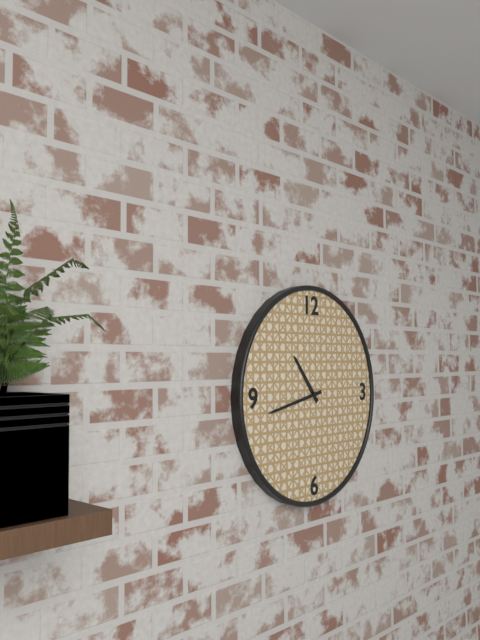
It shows 10h43
